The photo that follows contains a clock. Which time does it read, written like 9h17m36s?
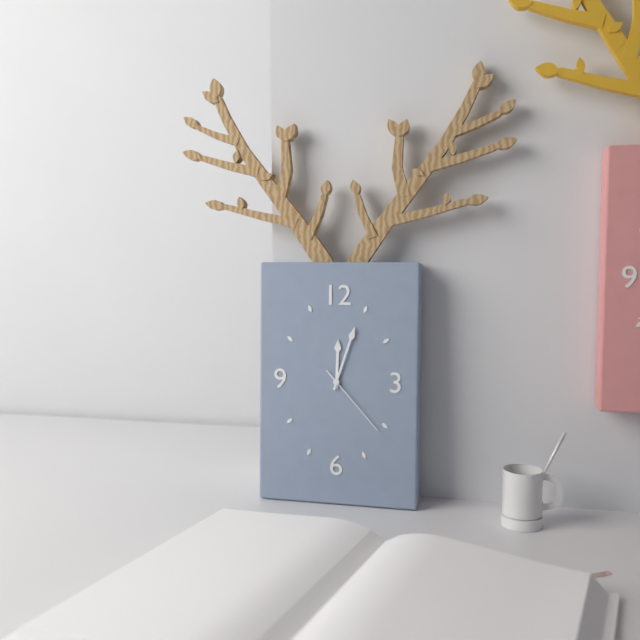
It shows 12h03m23s
